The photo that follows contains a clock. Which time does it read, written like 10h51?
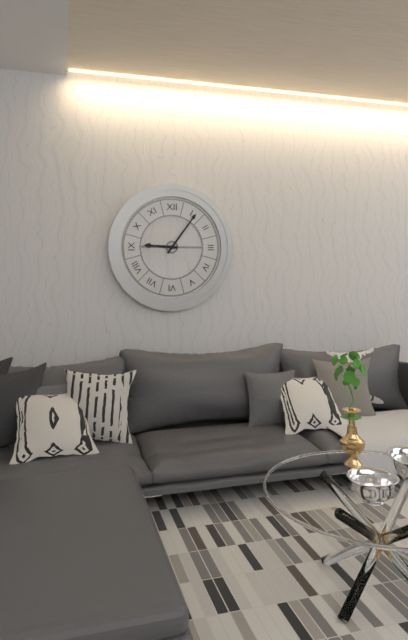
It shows 9h06
